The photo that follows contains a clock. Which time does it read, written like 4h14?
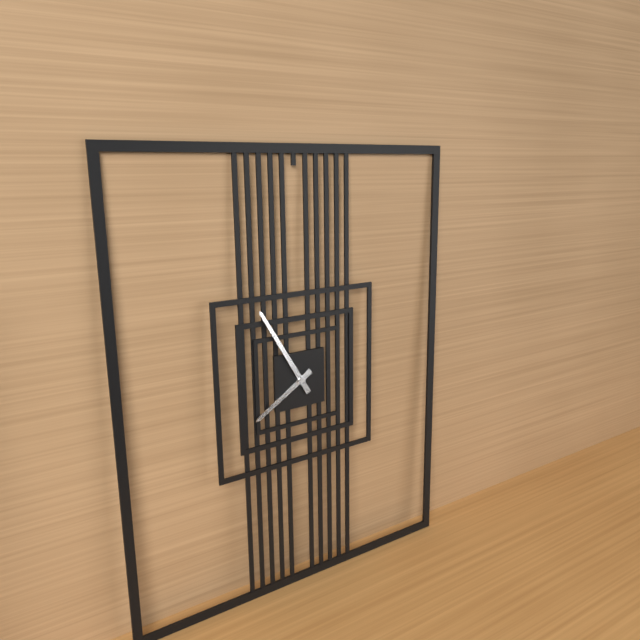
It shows 7h55
